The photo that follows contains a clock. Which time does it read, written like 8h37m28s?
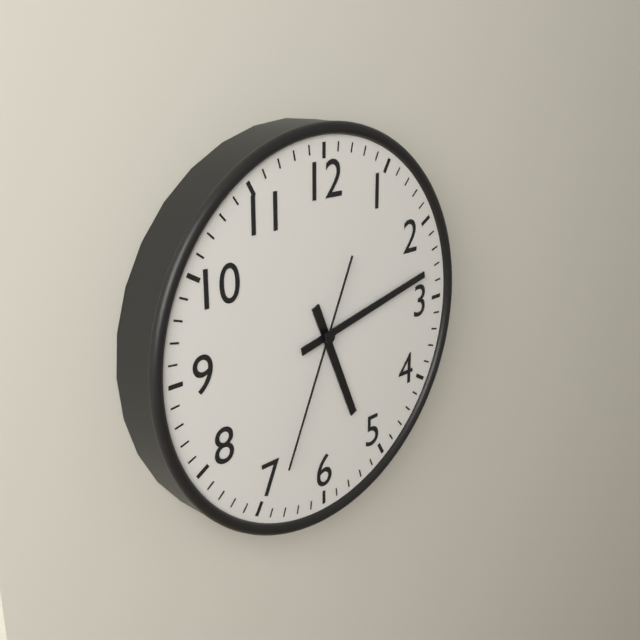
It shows 5h13m34s
